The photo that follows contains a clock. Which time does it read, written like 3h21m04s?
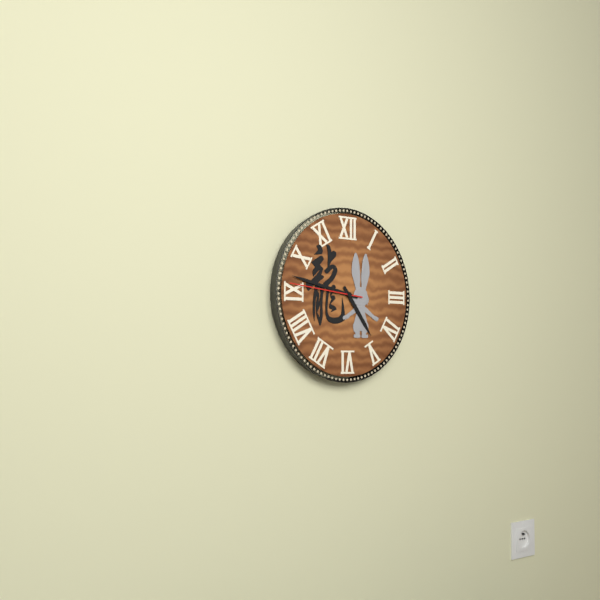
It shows 4h47m46s
